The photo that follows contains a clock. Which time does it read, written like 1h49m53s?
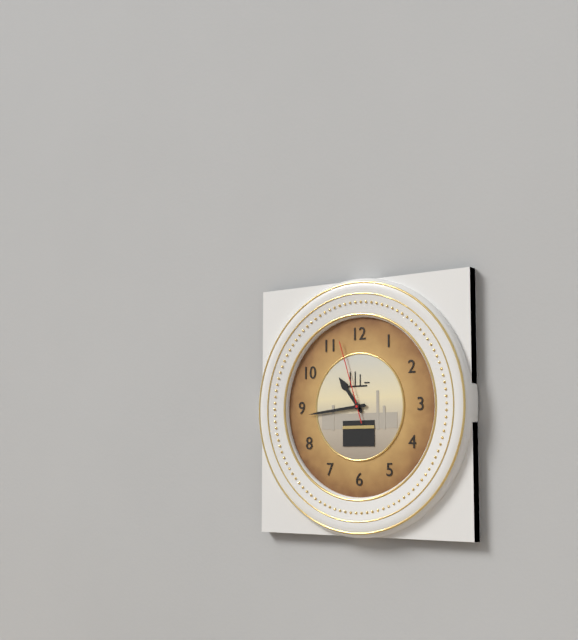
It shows 10h44m57s
